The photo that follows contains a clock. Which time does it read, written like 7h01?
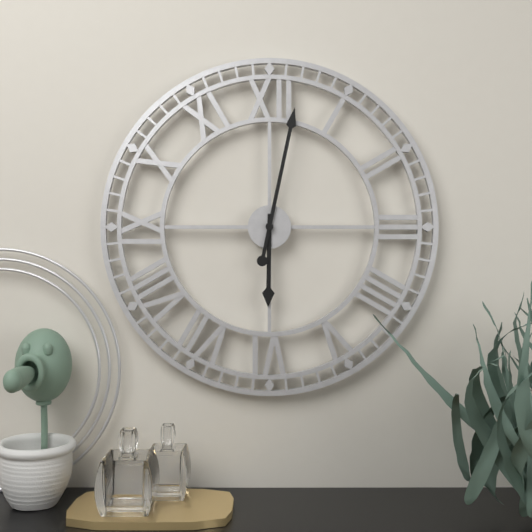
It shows 6h02
